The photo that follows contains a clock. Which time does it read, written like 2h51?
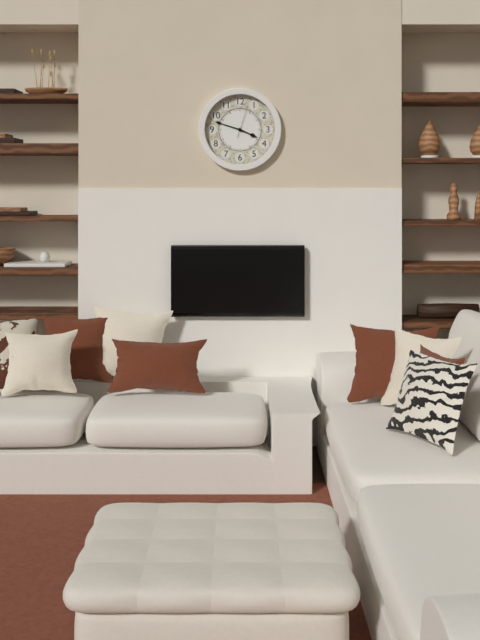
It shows 3h48
